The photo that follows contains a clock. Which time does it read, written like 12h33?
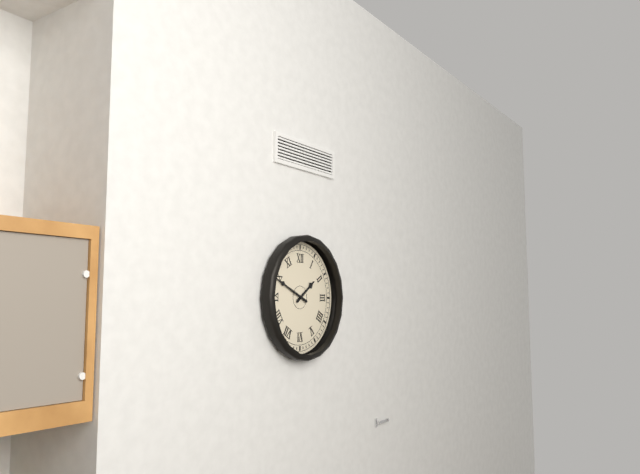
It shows 1h49
